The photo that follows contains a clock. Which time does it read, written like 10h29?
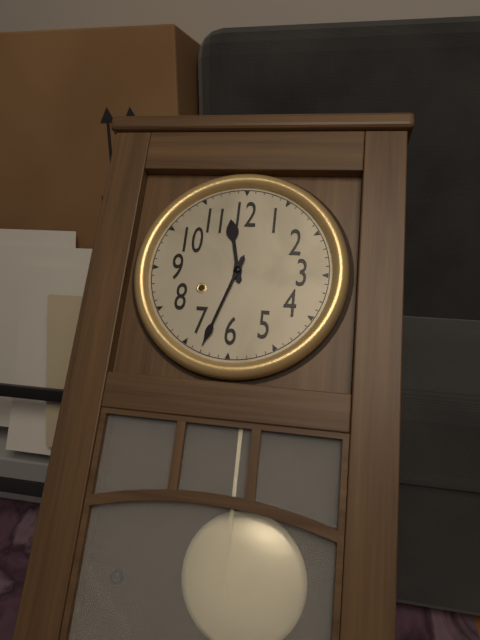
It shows 11h33
